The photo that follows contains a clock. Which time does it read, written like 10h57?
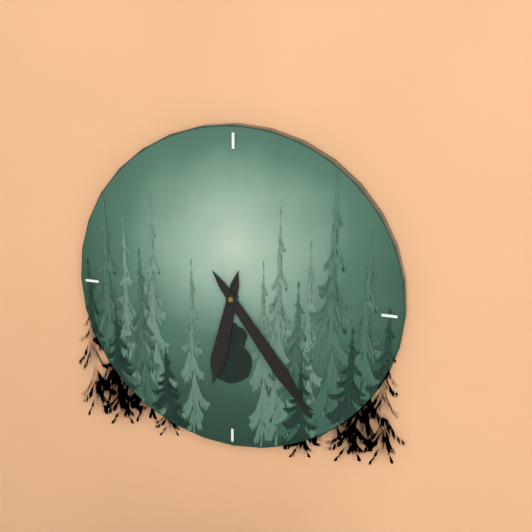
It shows 6h24
